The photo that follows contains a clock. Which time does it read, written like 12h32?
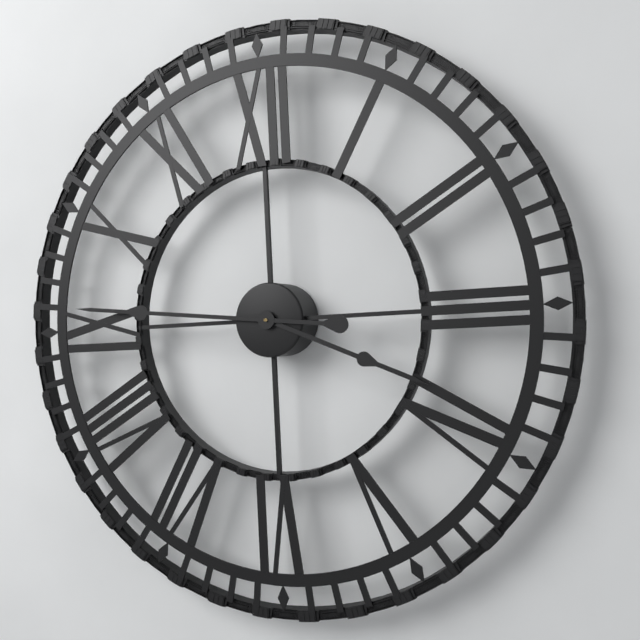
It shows 3h46
